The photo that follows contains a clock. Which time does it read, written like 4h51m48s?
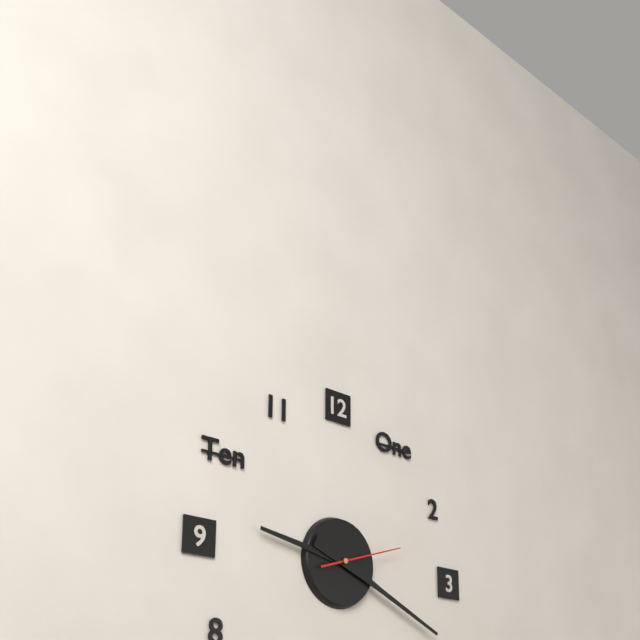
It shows 9h19m12s
